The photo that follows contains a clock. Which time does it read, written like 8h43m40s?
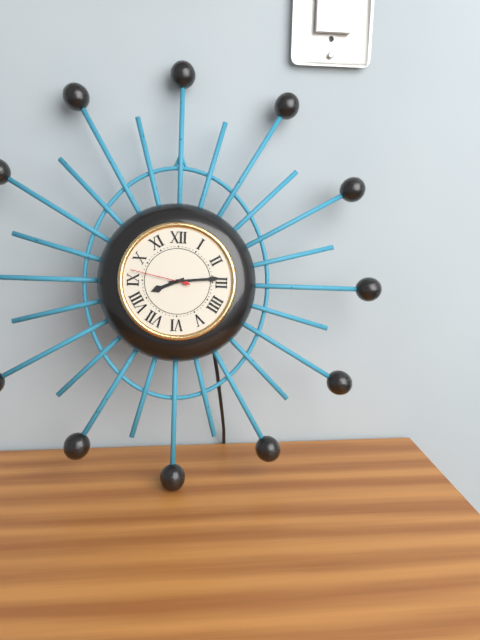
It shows 8h14m47s
